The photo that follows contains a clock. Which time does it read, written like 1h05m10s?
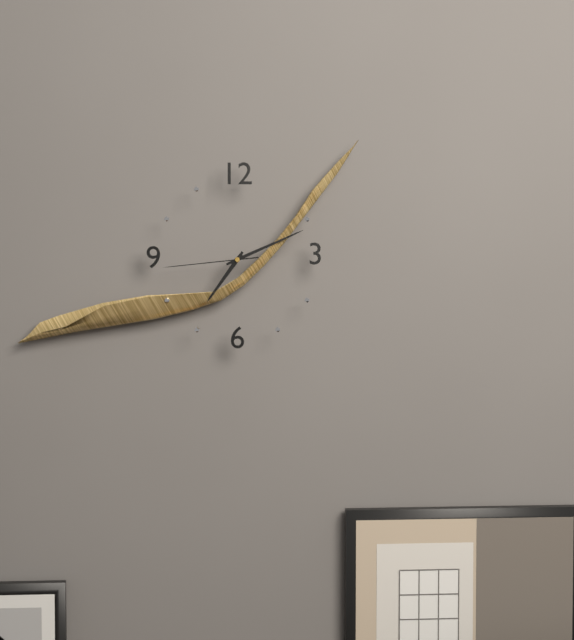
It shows 7h11m44s
